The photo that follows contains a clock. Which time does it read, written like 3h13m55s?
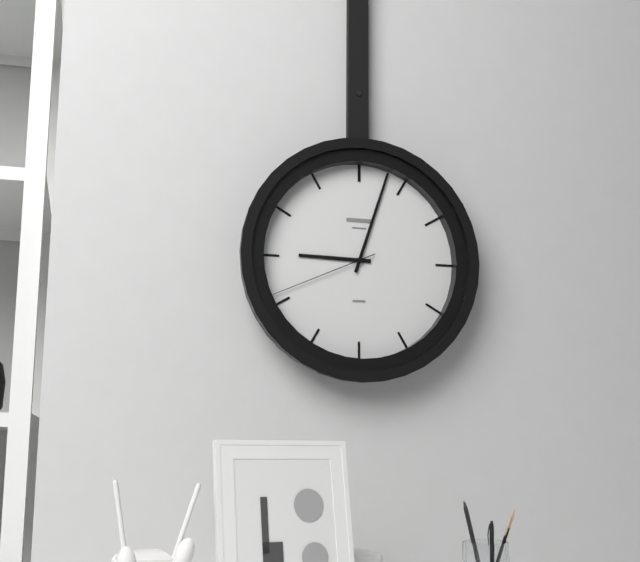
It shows 9h03m41s
